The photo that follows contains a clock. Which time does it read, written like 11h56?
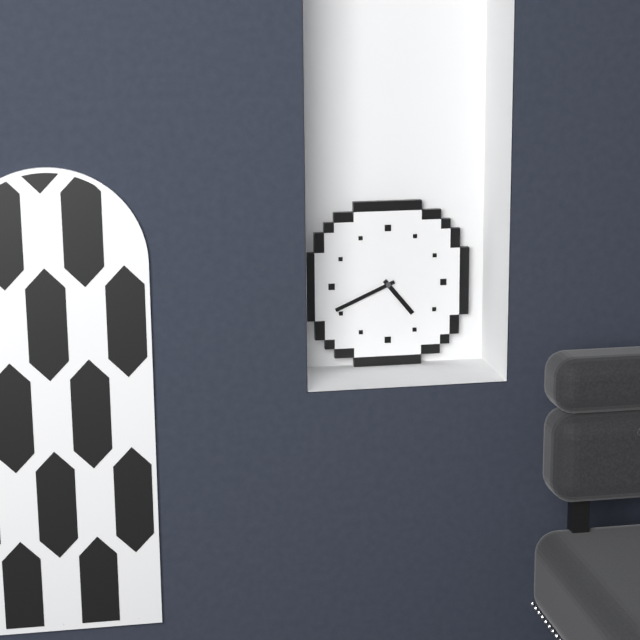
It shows 4h41
